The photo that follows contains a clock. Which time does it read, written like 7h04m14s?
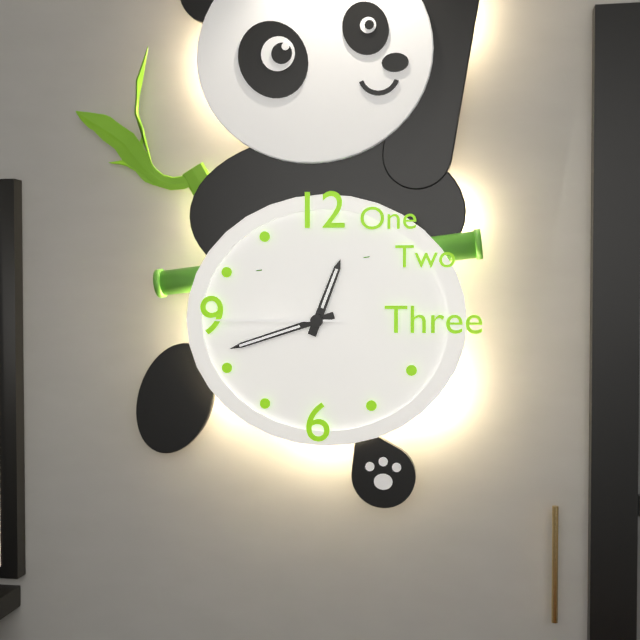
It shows 12h42m45s
